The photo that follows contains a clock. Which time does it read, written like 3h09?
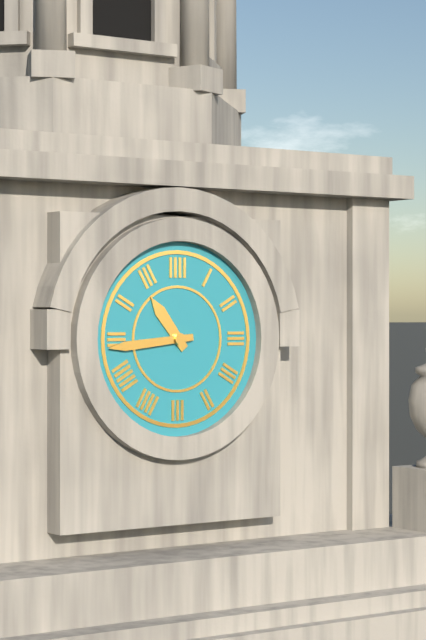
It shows 10h44
